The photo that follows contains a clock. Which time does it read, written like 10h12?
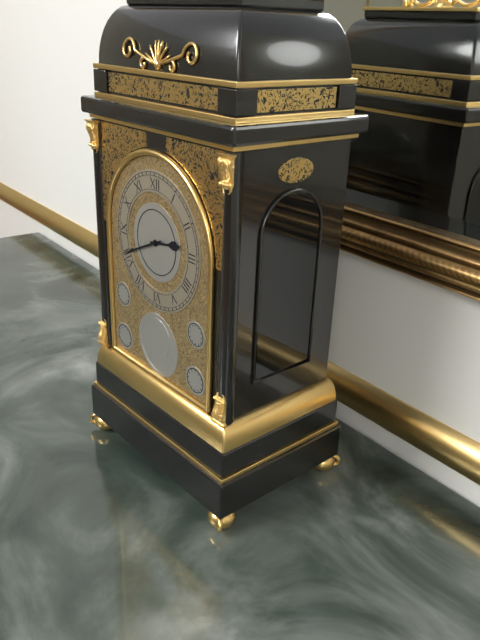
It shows 2h41
